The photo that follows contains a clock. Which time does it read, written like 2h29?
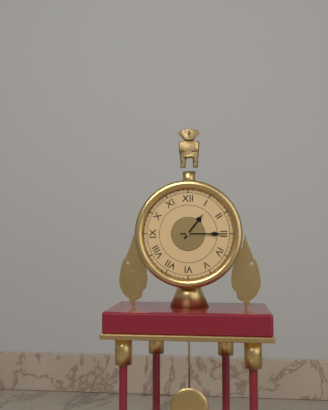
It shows 1h15
